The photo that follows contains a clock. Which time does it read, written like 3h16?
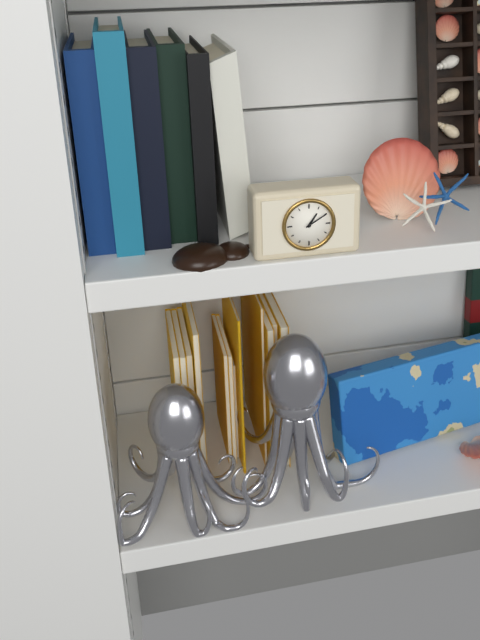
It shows 1h10
